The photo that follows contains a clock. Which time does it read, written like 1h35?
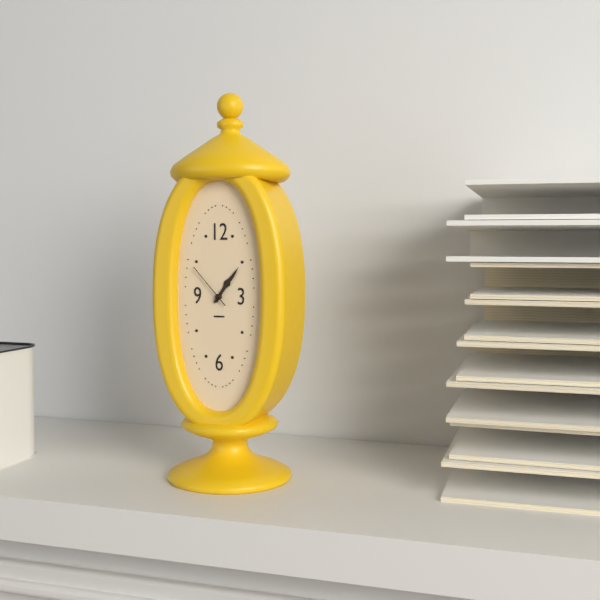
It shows 1h06
